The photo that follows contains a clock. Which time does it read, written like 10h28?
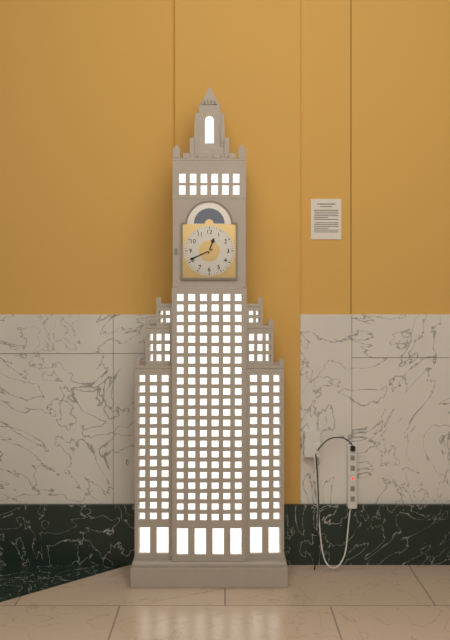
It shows 12h41
